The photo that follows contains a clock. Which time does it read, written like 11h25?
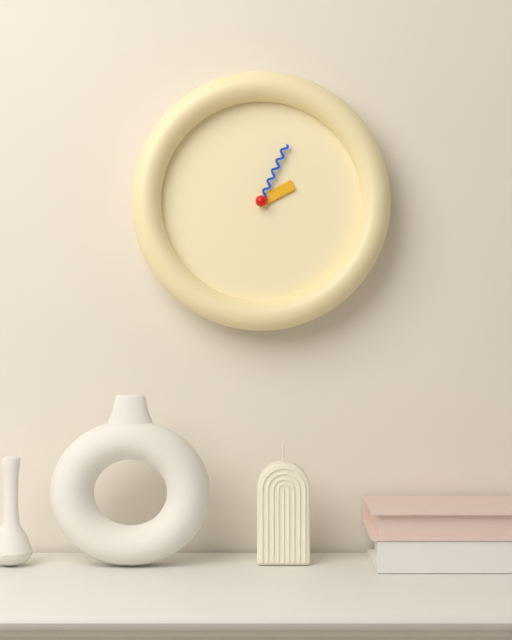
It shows 2h04
